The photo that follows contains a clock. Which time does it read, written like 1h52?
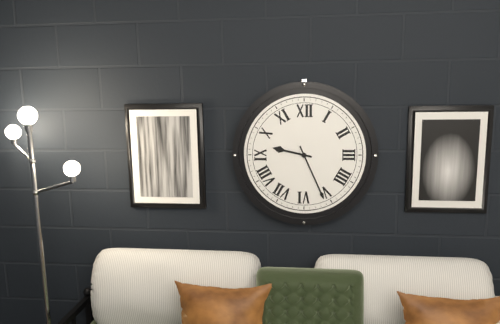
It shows 9h26
